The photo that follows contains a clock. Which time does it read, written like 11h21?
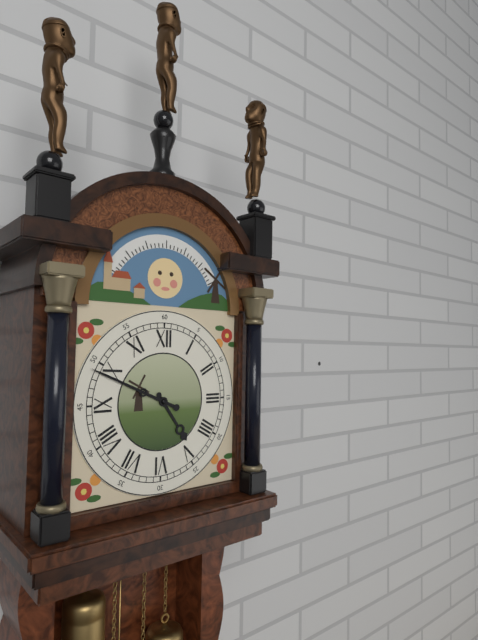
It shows 4h49
